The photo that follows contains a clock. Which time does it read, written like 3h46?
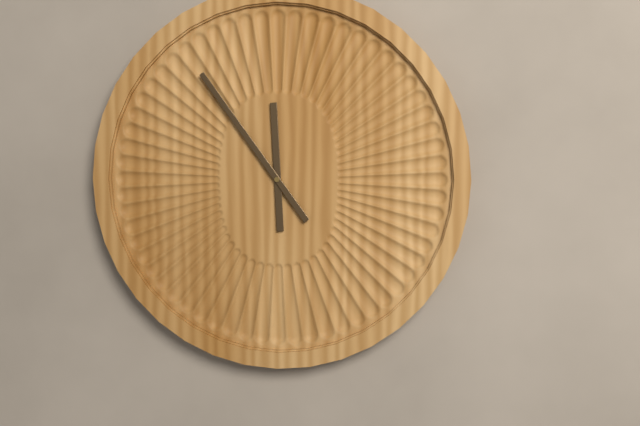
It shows 11h54
